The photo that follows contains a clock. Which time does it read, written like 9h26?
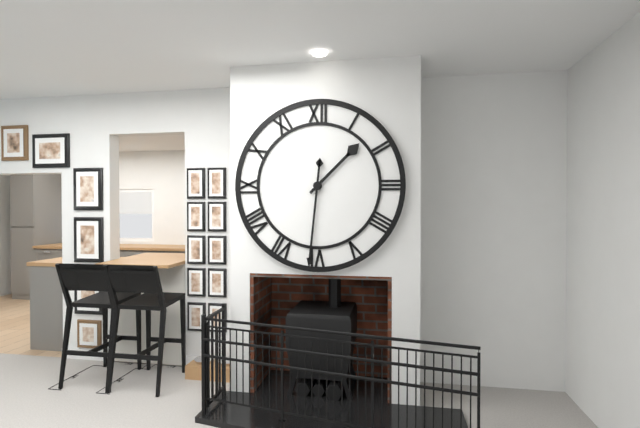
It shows 1h31
